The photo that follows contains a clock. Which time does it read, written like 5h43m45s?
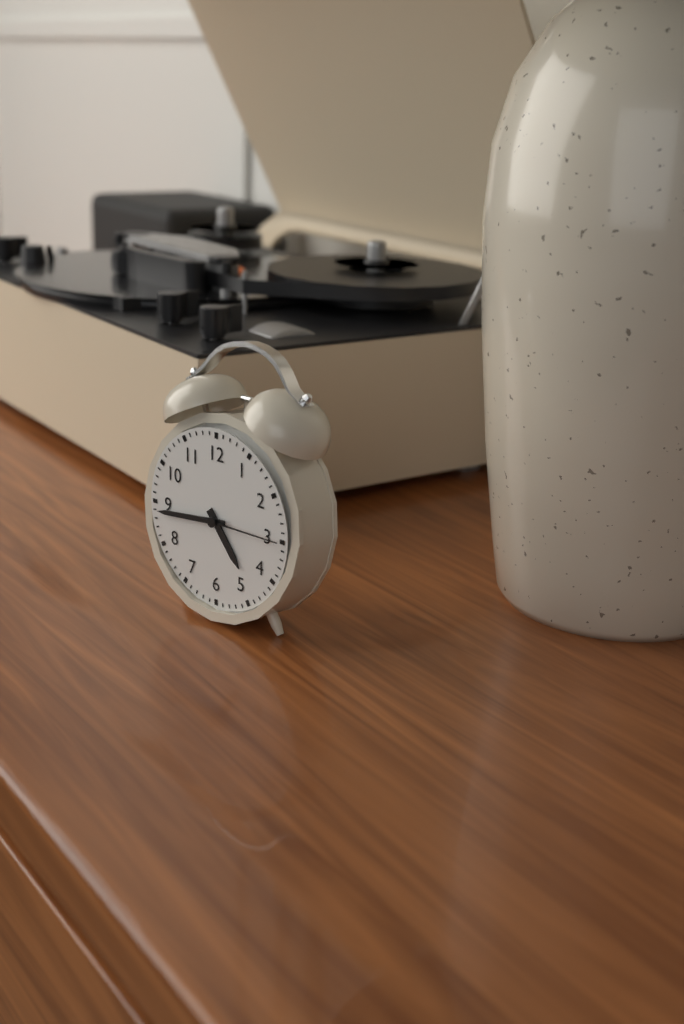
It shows 4h44m15s
